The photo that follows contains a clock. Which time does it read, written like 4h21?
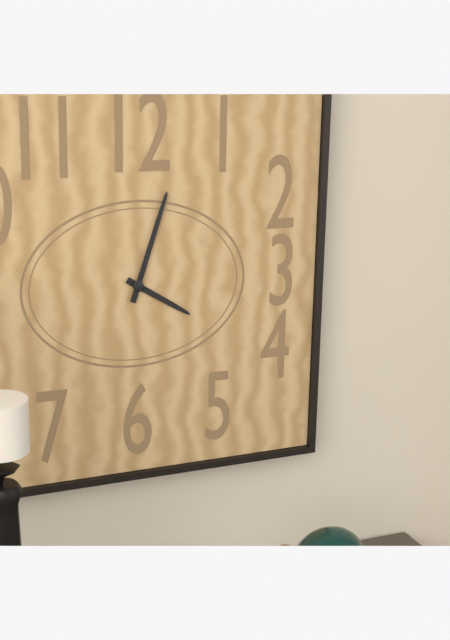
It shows 4h03
